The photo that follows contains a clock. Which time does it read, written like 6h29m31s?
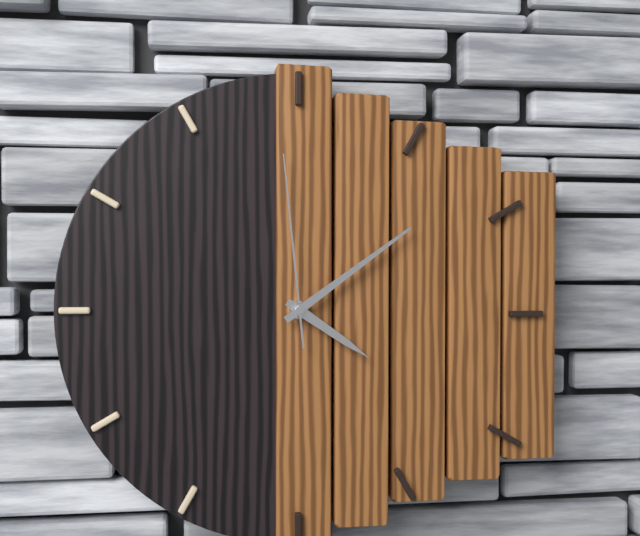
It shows 4h09m59s
